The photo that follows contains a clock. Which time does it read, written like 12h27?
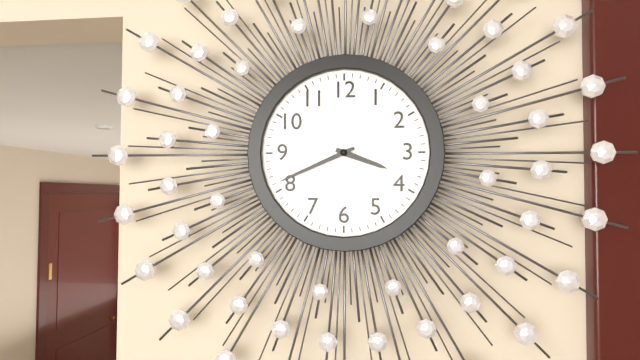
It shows 3h41
